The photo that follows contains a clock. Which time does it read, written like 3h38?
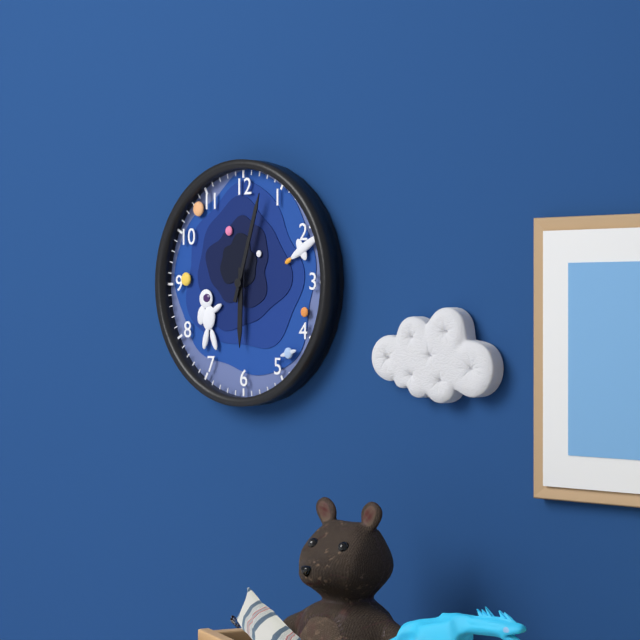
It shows 6h03
